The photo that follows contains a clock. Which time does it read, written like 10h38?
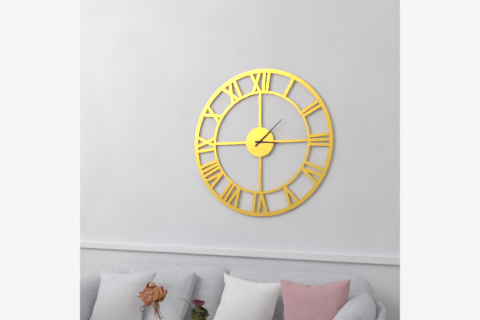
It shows 3h08
